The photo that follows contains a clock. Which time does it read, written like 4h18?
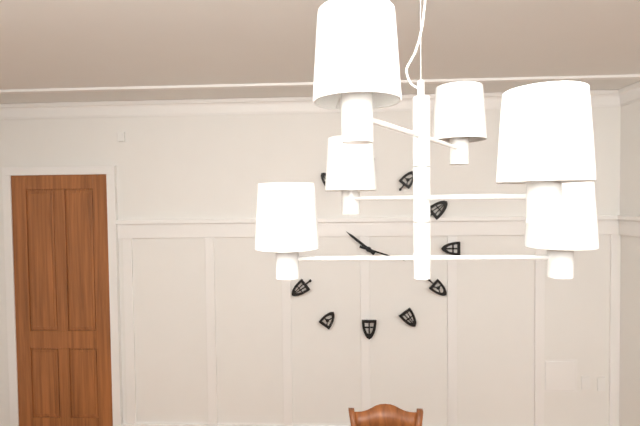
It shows 10h18
